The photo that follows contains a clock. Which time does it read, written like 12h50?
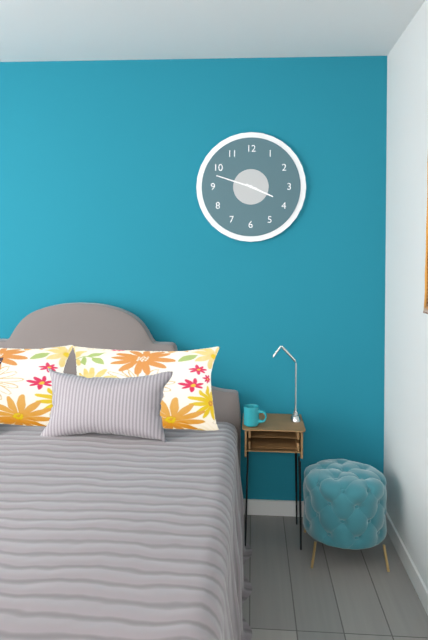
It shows 3h48
